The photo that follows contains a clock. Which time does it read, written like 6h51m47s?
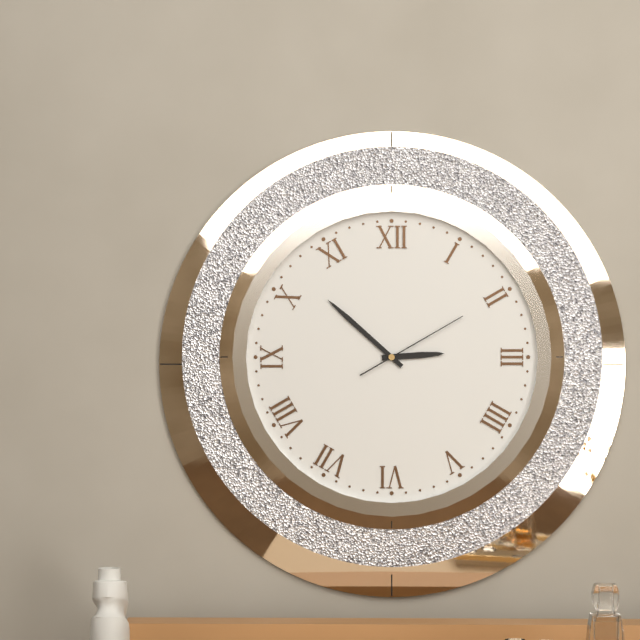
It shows 2h52m10s
